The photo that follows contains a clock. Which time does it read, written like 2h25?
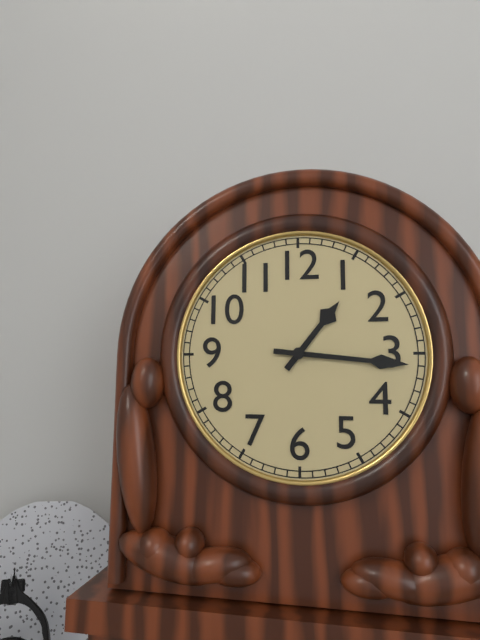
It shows 1h16
